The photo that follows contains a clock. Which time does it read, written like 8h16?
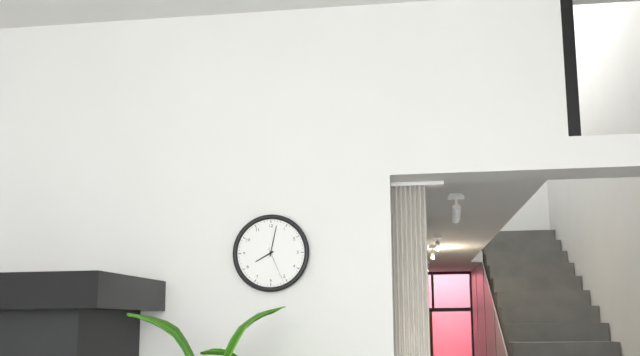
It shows 8h02
